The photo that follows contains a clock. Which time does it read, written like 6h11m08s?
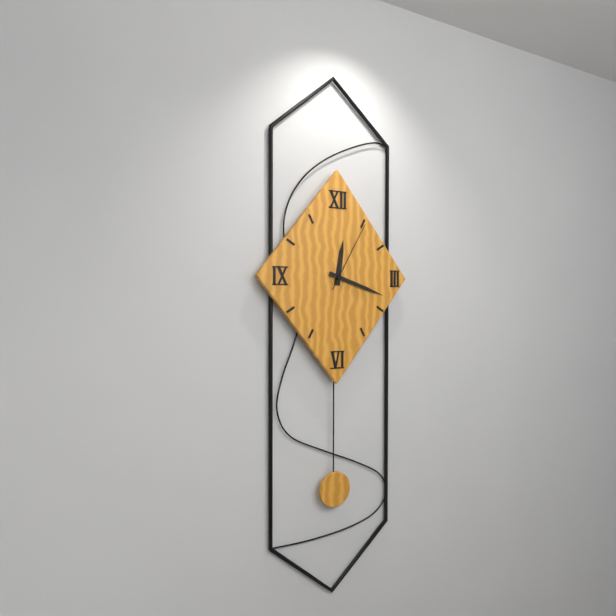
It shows 12h18m05s
